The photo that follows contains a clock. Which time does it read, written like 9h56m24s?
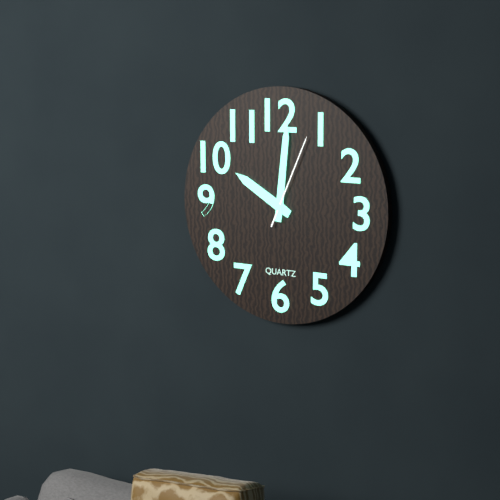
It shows 10h01m04s
